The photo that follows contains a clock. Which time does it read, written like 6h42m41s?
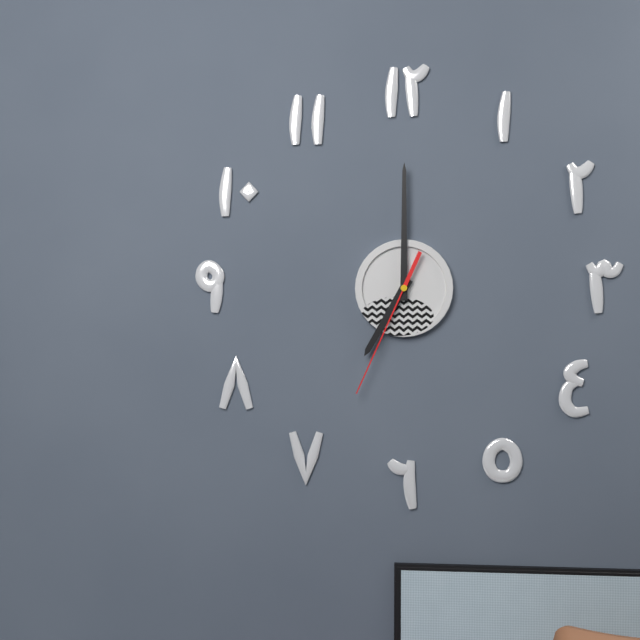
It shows 7h00m34s
